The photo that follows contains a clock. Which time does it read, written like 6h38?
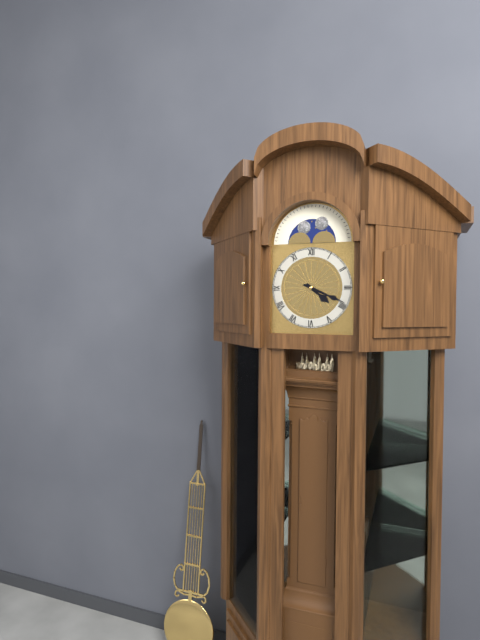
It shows 4h19
